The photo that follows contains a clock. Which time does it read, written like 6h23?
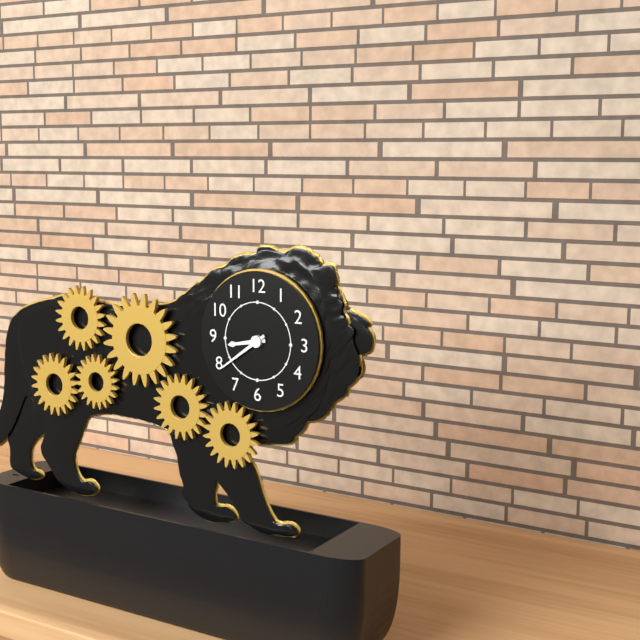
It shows 8h39
